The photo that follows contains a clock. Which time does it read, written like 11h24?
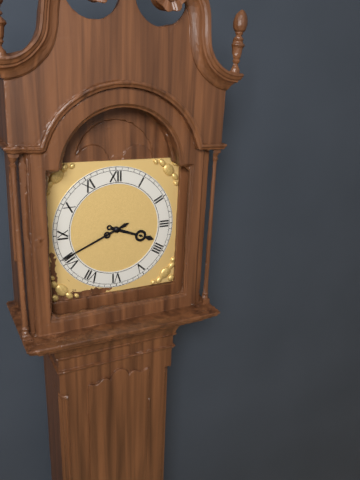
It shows 3h41
